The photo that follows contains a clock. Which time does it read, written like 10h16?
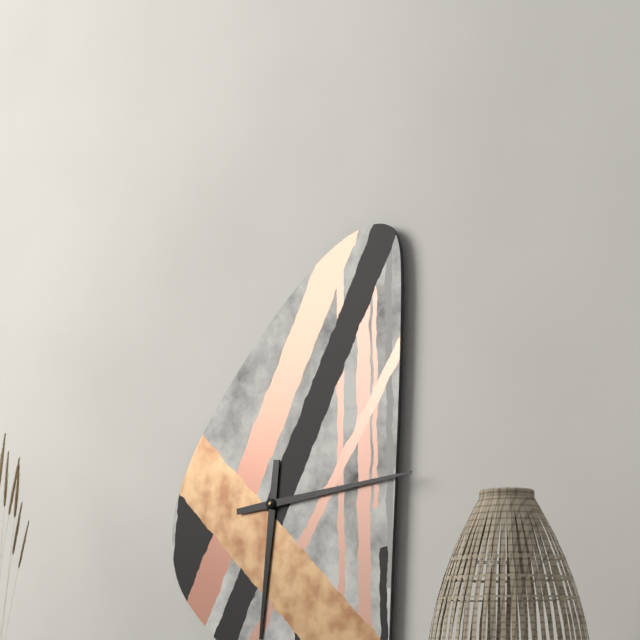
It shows 6h14
